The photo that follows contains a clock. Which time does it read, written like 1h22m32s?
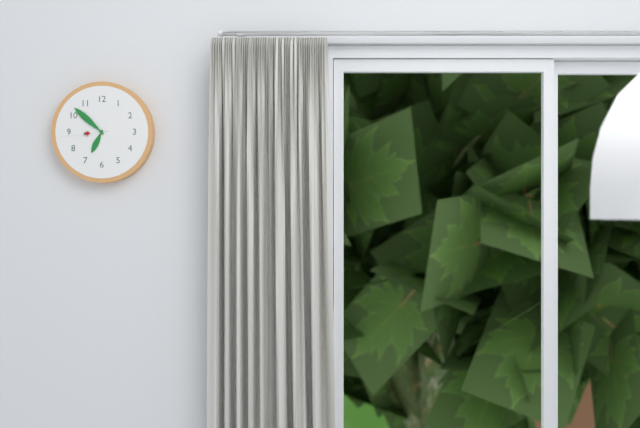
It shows 6h52m44s
